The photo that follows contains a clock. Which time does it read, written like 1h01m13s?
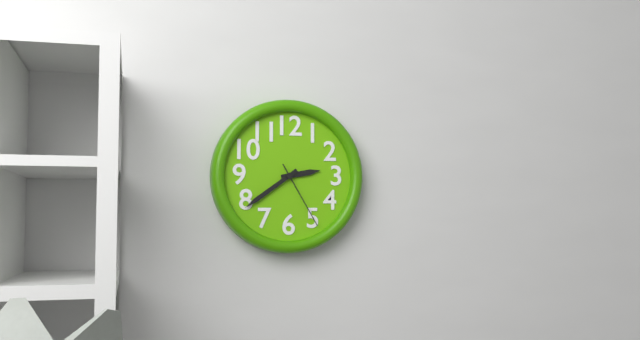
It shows 2h39m25s
